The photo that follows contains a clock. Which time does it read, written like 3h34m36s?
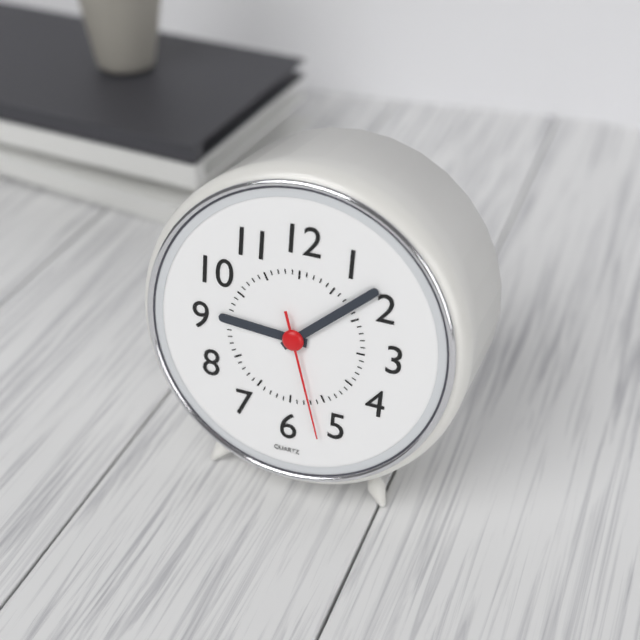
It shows 9h08m27s
